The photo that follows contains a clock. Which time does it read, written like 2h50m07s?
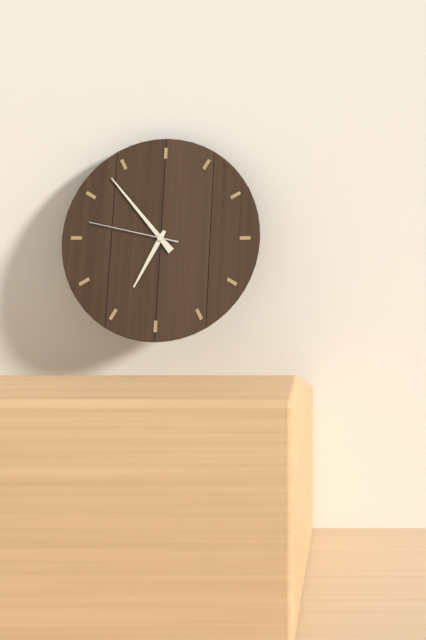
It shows 6h53m47s
